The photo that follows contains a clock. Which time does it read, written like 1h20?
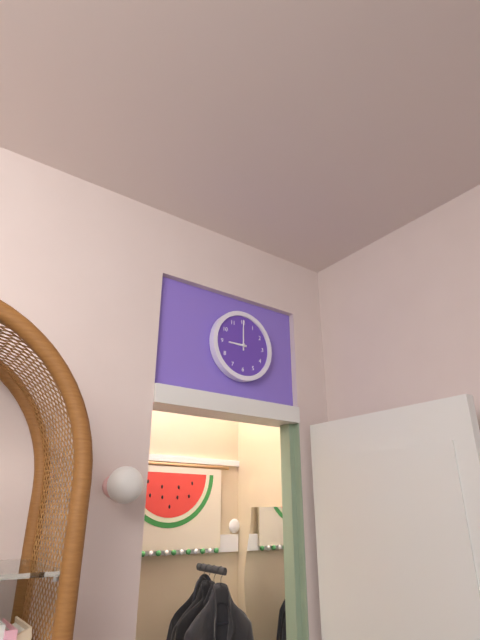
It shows 9h00
